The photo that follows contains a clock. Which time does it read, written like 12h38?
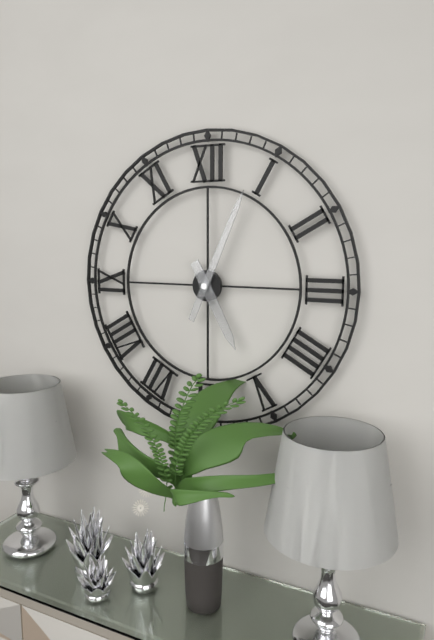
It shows 5h04
